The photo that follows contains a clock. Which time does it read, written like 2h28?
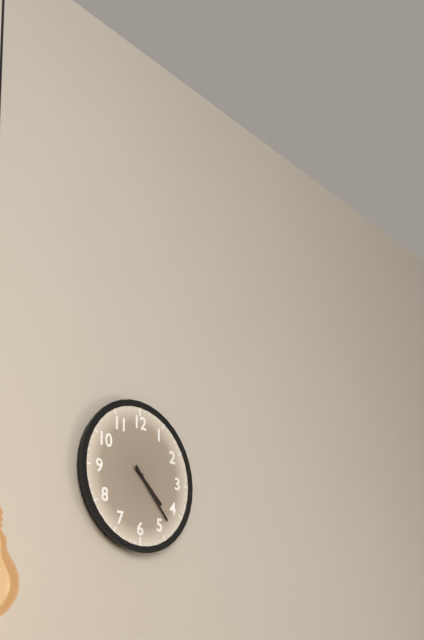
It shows 4h23
